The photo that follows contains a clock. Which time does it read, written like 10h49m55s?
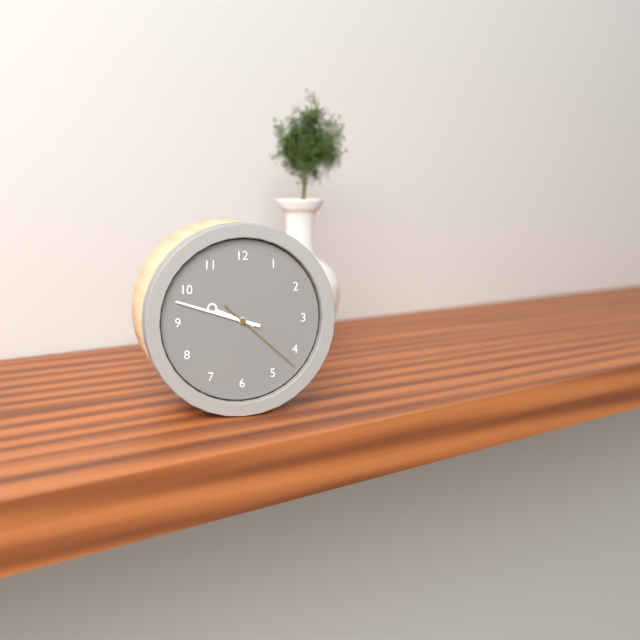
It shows 9h48m22s
